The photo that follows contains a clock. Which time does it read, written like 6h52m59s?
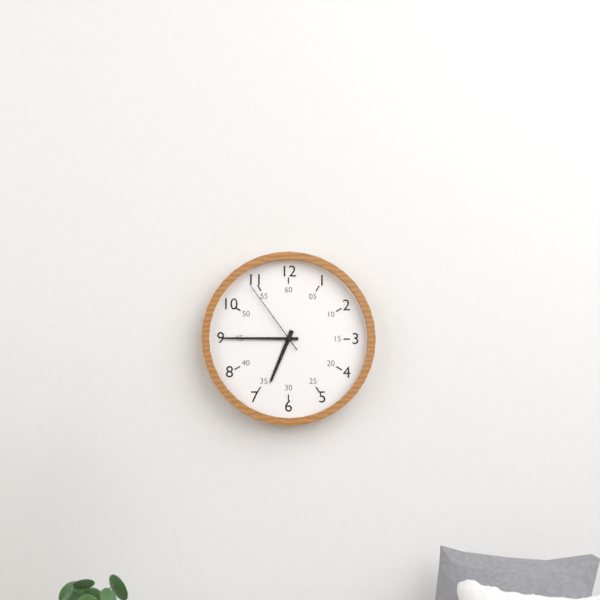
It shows 6h45m54s
